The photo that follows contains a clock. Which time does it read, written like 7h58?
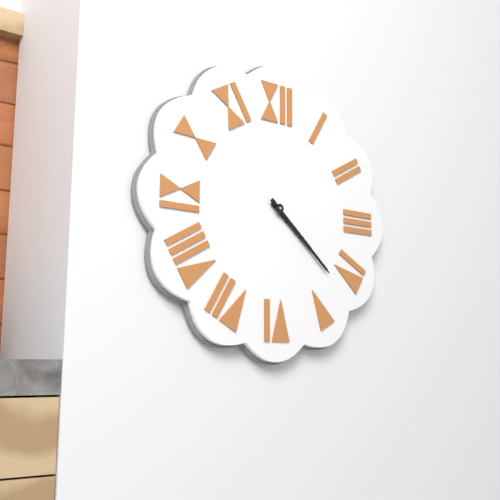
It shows 4h22
